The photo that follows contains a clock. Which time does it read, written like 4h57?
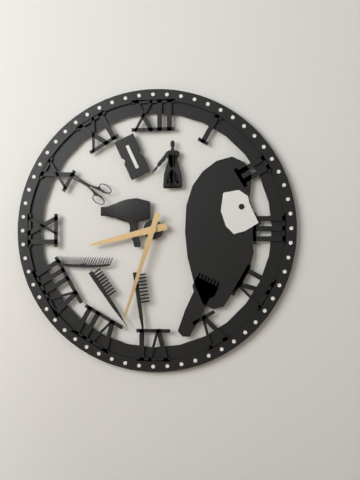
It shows 8h33
